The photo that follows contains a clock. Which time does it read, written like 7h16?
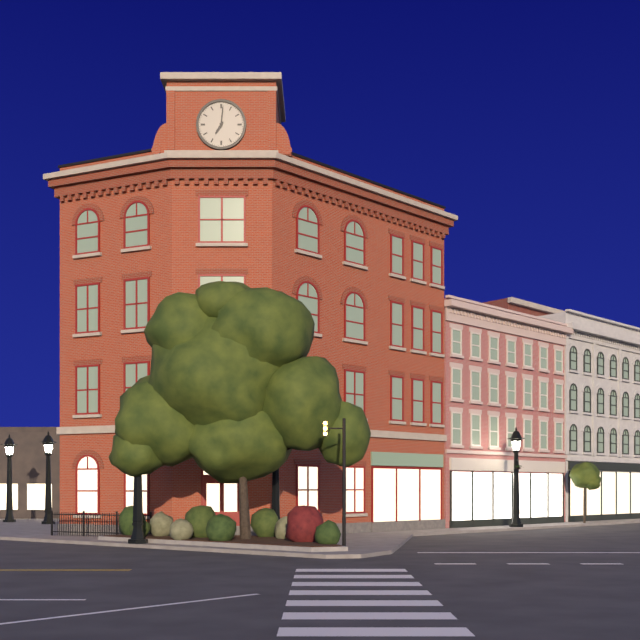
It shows 7h01
